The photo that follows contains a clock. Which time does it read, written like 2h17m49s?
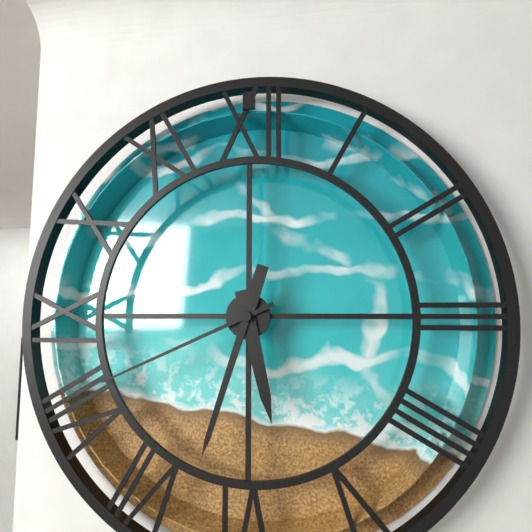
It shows 5h33m41s
